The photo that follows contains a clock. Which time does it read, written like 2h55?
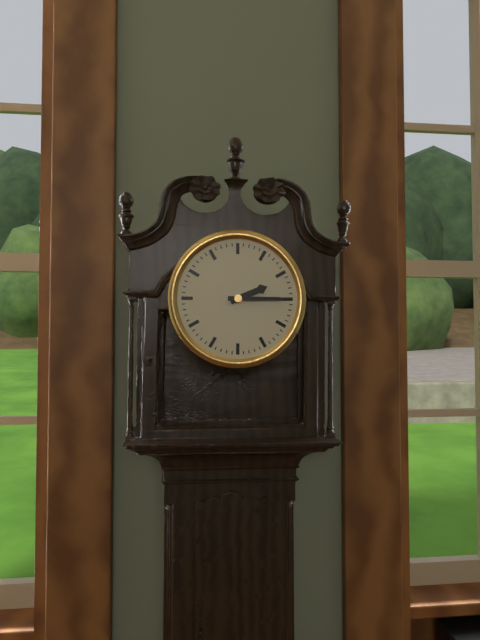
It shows 2h15
